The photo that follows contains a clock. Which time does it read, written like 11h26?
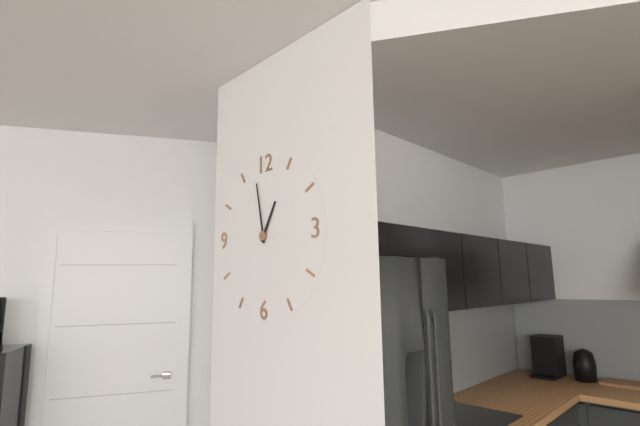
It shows 12h58
